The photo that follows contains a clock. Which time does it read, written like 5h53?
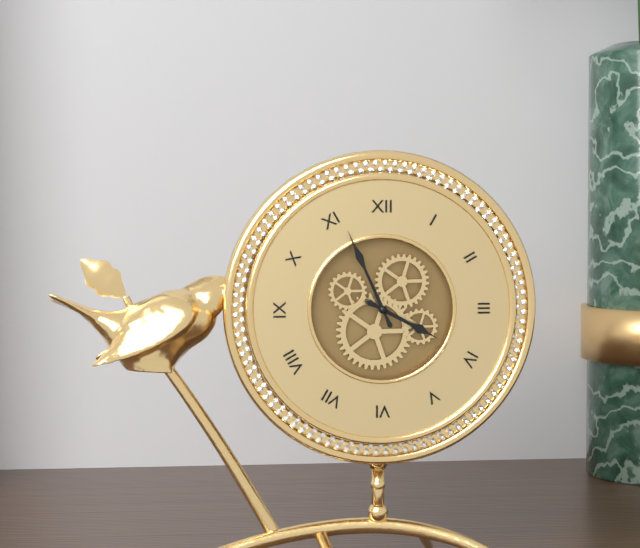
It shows 3h56
